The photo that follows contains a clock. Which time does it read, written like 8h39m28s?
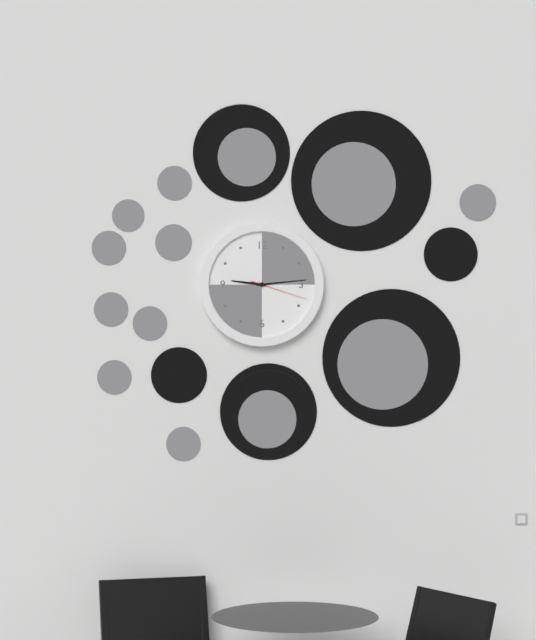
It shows 9h14m18s
